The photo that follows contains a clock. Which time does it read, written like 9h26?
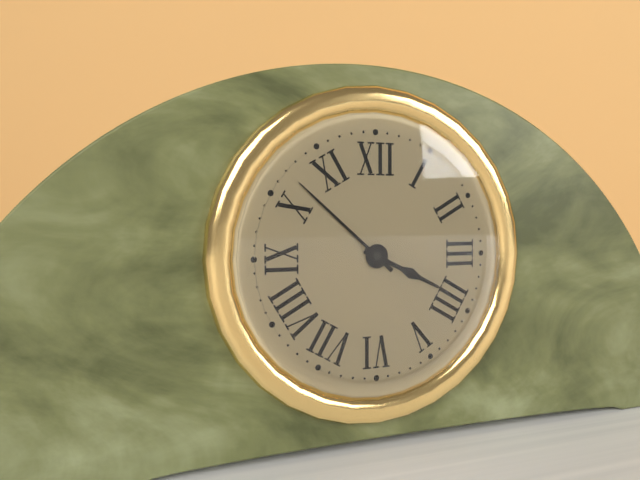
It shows 3h52
